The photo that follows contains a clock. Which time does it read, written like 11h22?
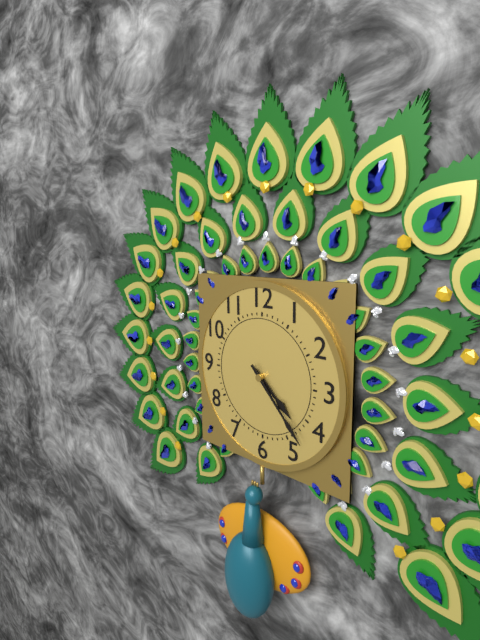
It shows 4h23
